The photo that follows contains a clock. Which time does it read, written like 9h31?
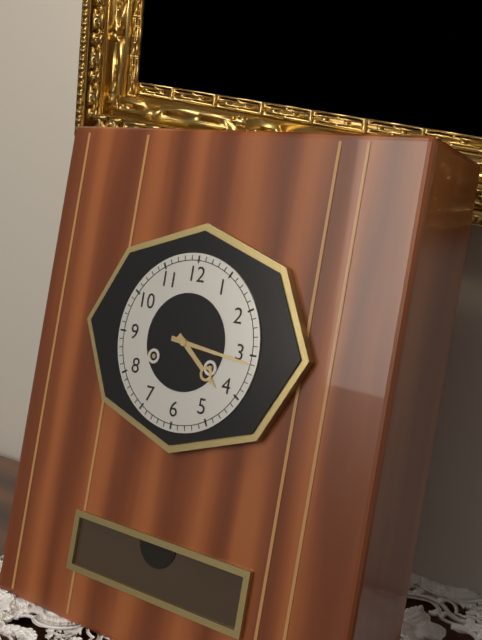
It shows 4h16
